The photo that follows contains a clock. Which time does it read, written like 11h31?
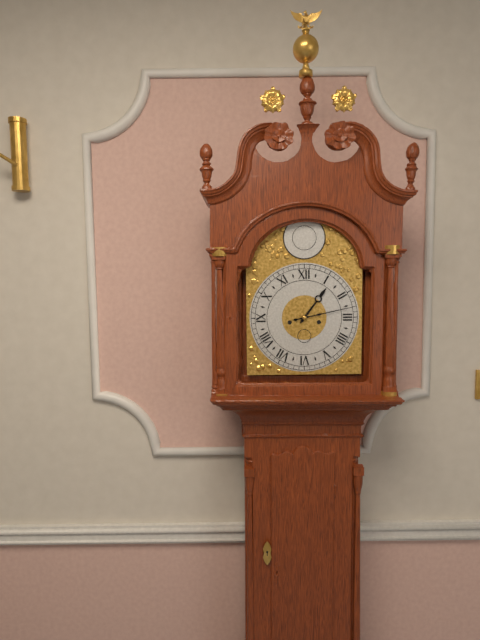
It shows 1h13
